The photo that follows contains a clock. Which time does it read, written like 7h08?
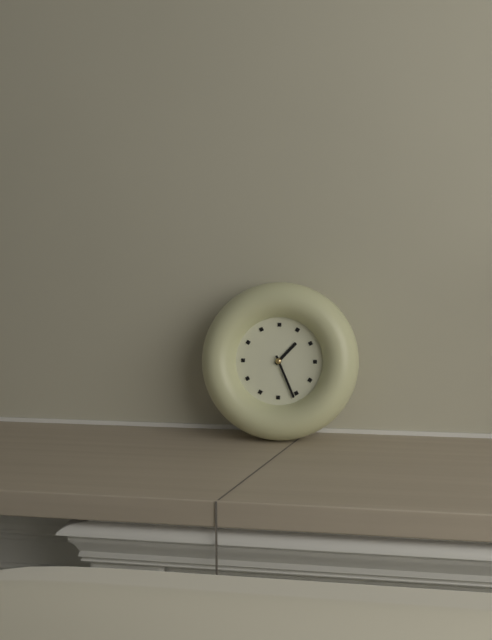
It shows 1h26
